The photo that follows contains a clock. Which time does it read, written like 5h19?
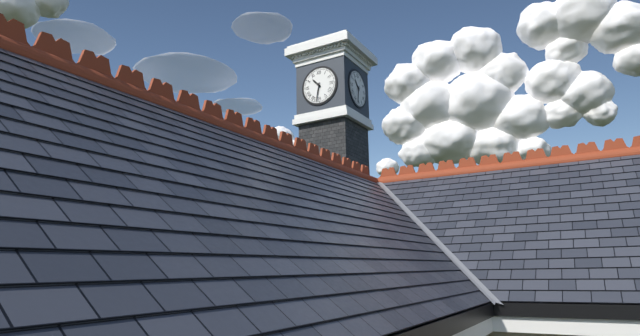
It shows 10h32
